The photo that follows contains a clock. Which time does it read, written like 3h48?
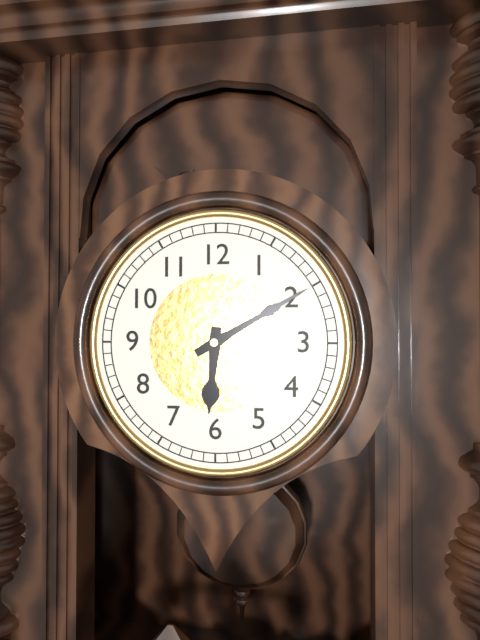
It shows 6h10
